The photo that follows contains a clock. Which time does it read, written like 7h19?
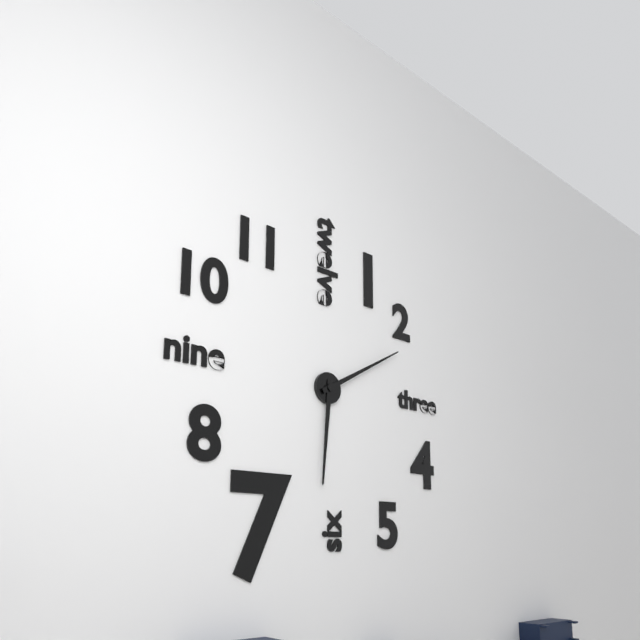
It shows 6h10
